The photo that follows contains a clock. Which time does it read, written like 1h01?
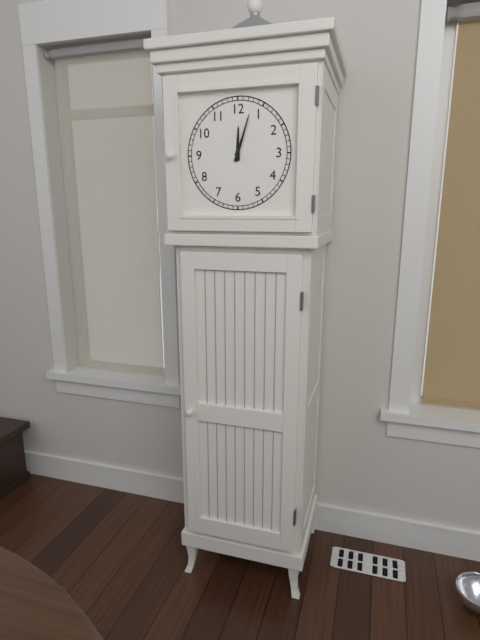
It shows 12h03
